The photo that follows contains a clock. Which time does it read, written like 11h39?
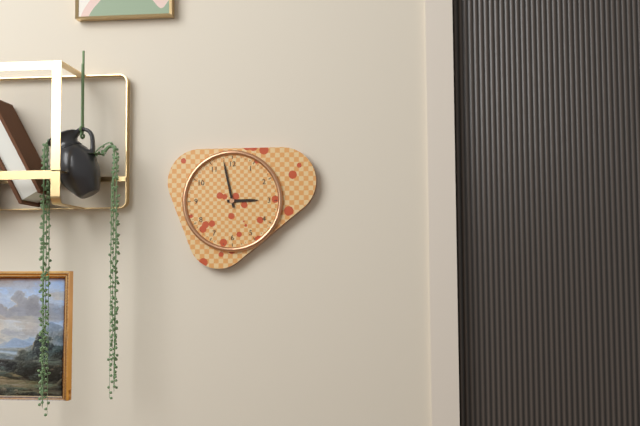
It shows 2h58
